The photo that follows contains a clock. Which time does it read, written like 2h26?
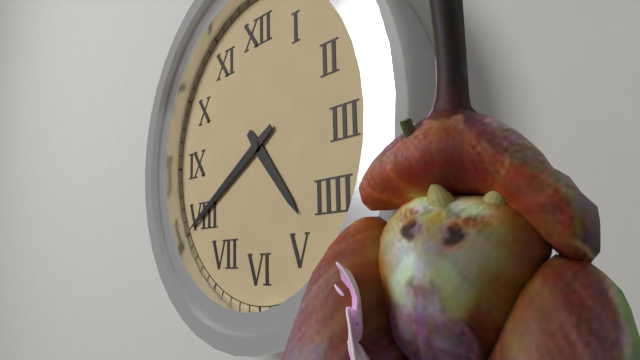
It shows 4h40
